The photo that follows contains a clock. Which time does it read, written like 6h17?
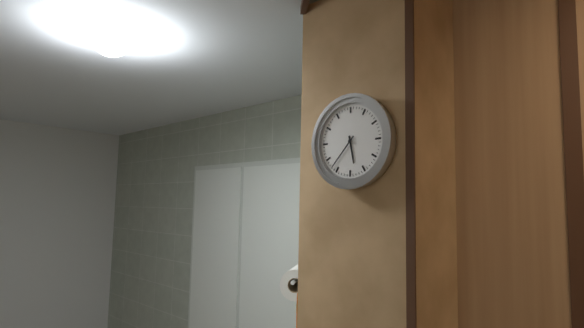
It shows 5h37
